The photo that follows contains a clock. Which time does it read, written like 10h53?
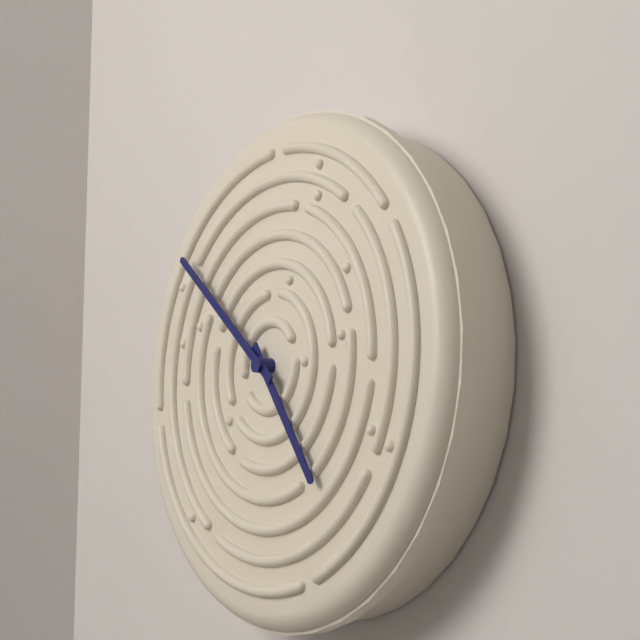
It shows 4h52
